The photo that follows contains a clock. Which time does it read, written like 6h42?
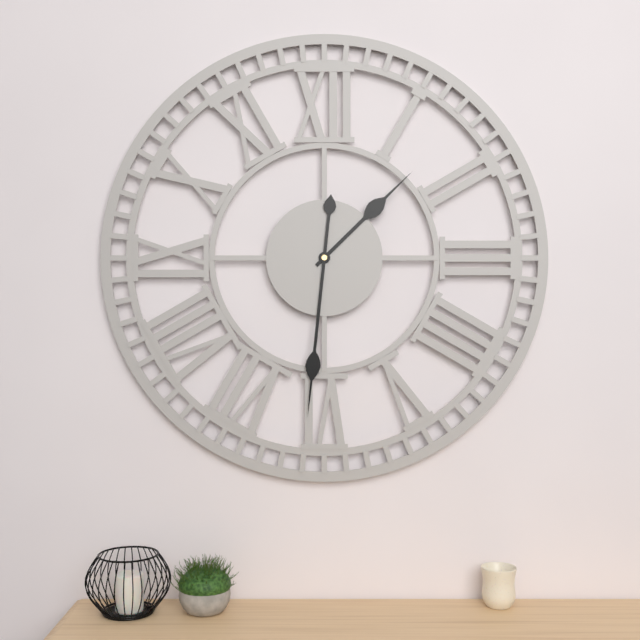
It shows 1h31
